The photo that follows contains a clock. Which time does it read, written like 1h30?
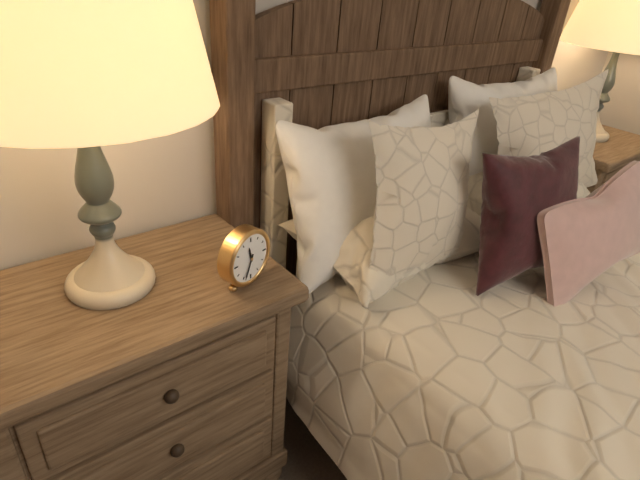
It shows 11h34
